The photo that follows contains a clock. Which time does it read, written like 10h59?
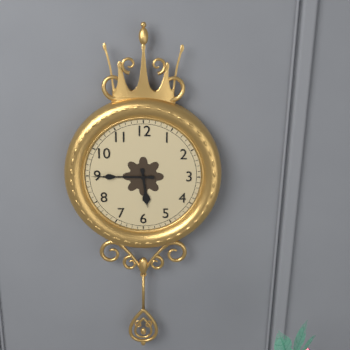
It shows 5h45
